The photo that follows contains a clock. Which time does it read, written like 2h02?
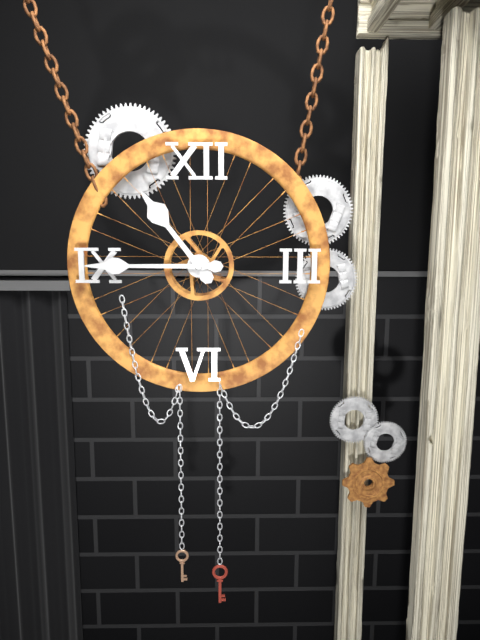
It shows 10h45
